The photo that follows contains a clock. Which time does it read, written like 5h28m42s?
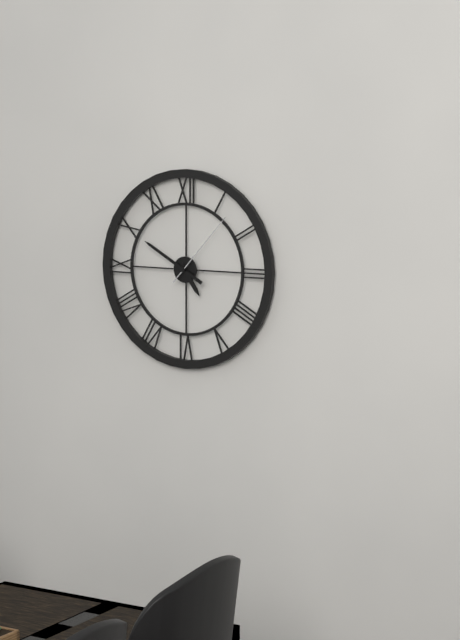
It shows 4h50m07s
